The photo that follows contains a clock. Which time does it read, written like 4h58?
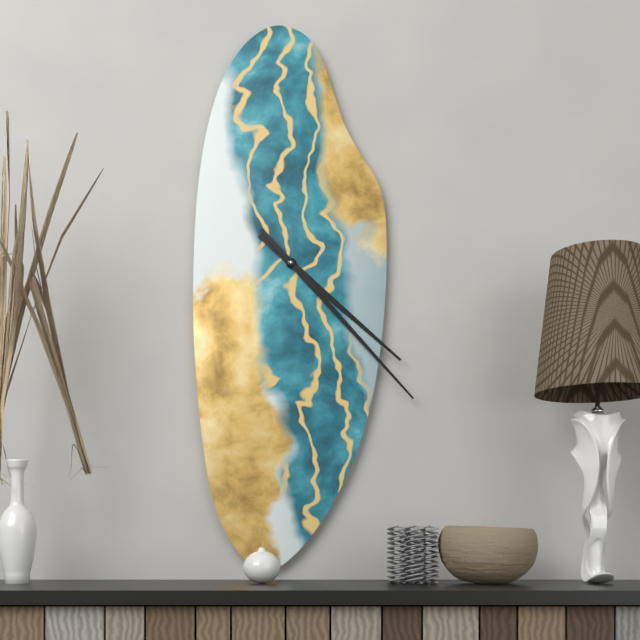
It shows 4h23
